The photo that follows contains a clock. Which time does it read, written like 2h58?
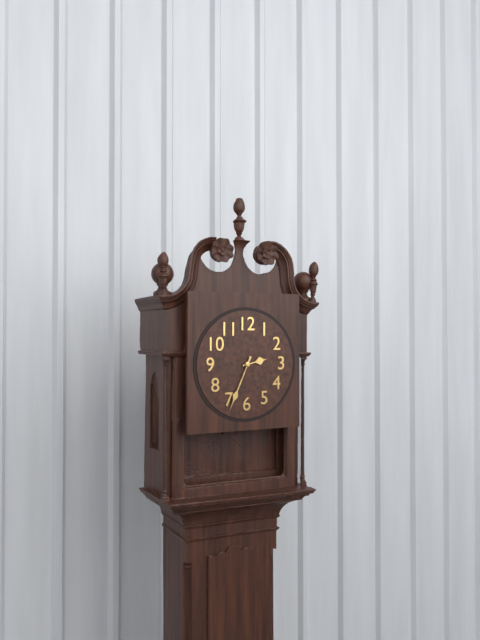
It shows 2h34
